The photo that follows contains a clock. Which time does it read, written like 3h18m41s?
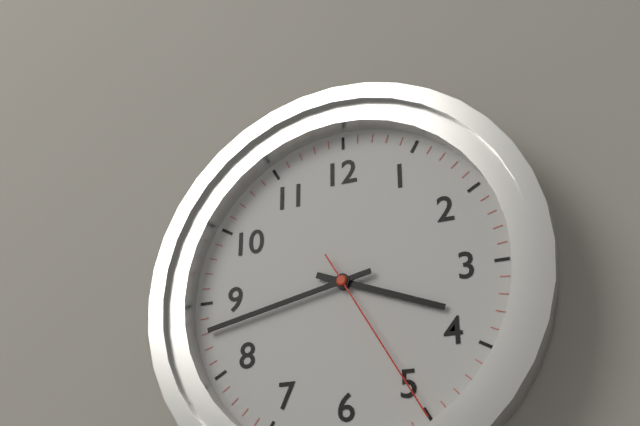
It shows 3h43m25s
